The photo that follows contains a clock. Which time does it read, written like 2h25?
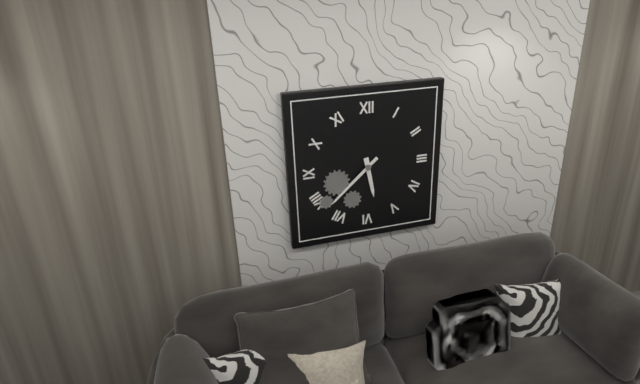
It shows 5h38
